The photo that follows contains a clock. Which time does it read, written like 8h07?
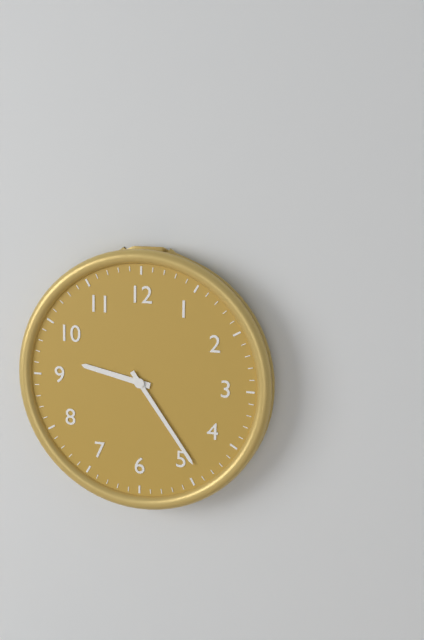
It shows 9h24
